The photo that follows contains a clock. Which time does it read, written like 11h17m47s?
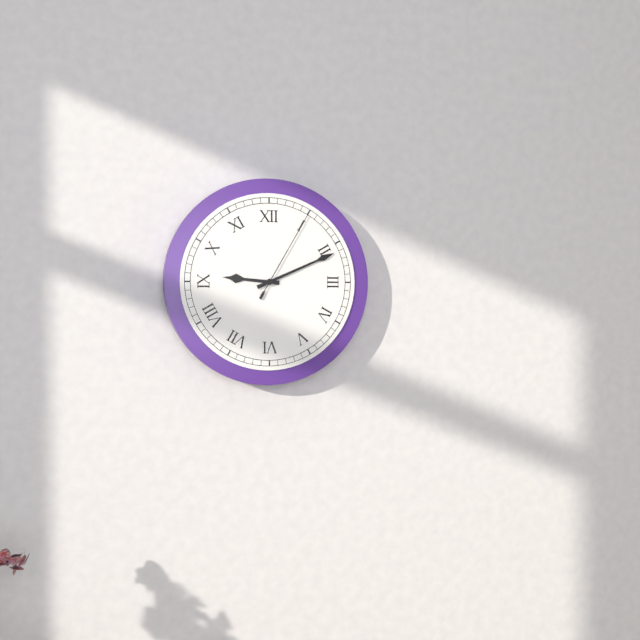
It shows 9h11m05s
